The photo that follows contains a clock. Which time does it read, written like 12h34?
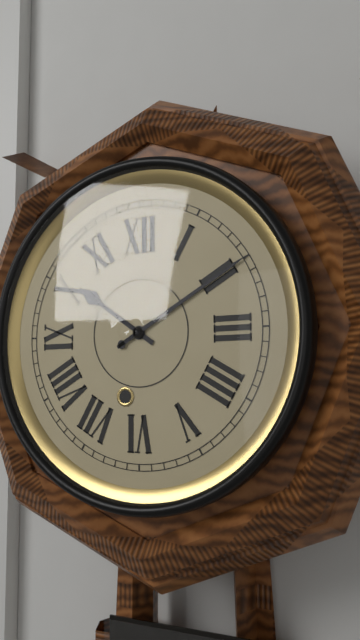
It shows 10h10
